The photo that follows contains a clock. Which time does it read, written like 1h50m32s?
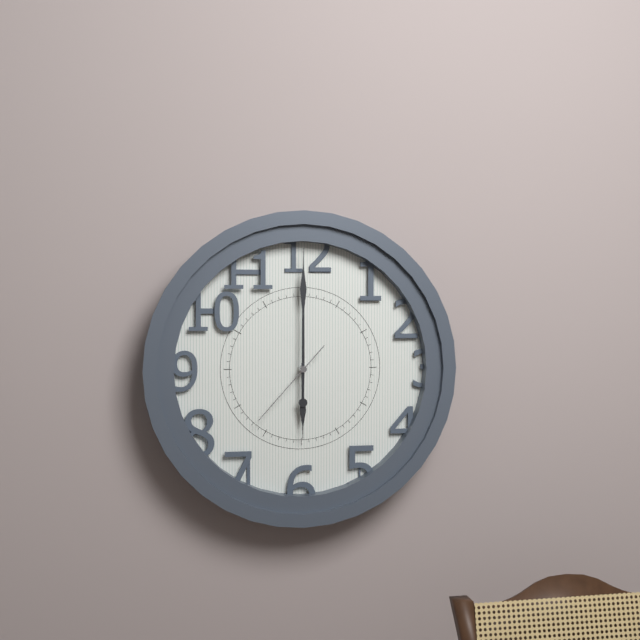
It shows 6h00m37s
